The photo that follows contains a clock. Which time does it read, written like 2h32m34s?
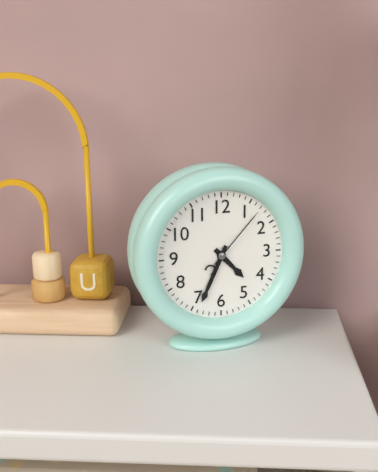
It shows 4h34m07s
